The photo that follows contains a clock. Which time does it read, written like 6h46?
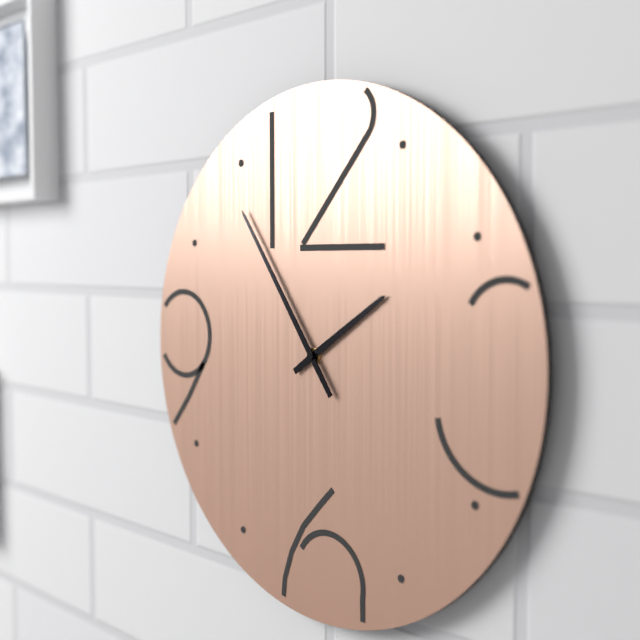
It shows 1h54
